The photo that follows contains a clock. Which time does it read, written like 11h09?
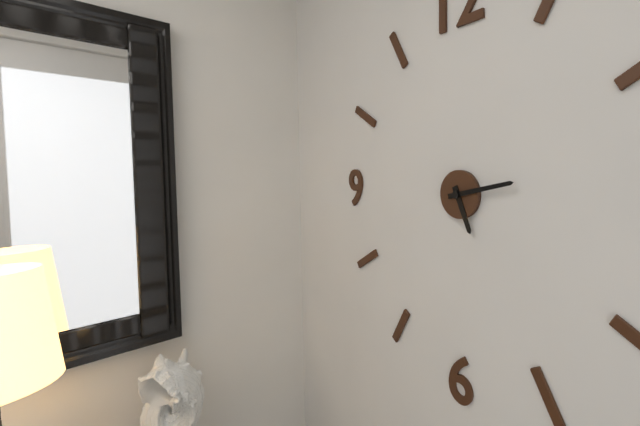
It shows 5h13
